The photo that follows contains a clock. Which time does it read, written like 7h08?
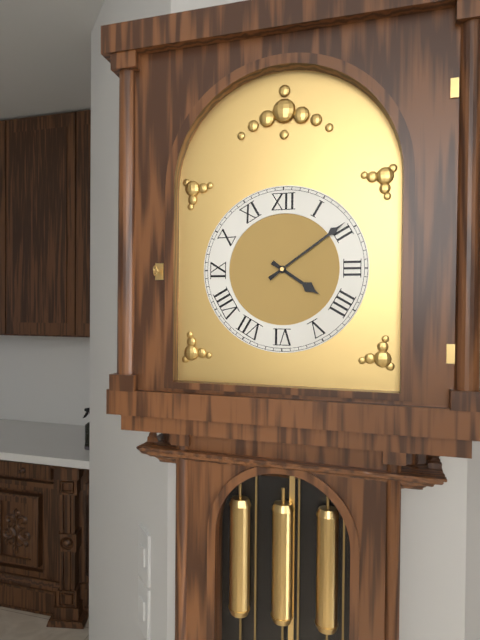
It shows 4h09
